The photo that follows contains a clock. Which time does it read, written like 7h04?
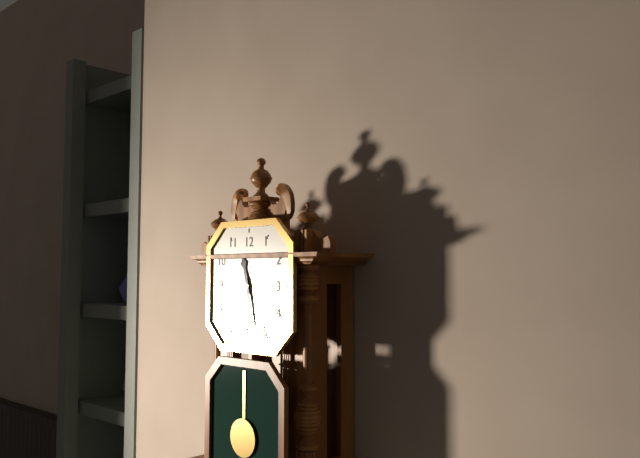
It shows 11h28
